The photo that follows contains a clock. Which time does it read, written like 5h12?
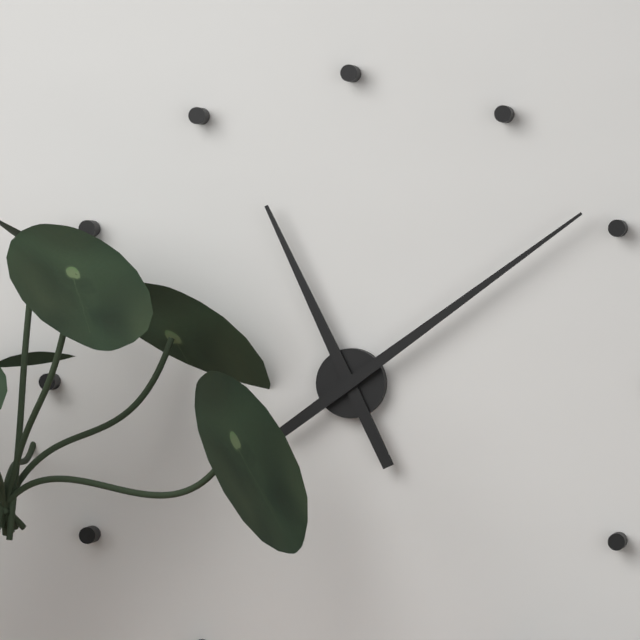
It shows 11h09
